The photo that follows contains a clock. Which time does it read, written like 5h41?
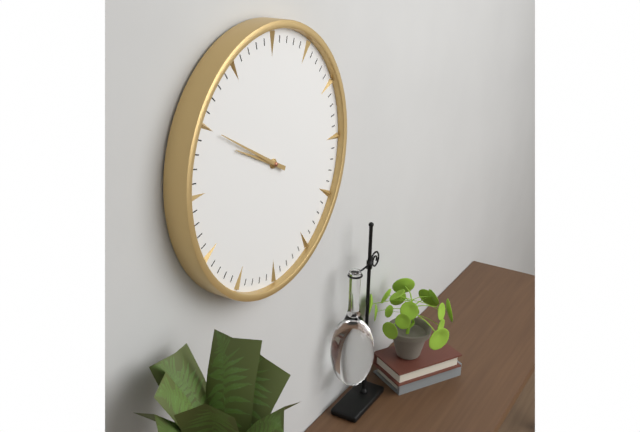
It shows 9h50
